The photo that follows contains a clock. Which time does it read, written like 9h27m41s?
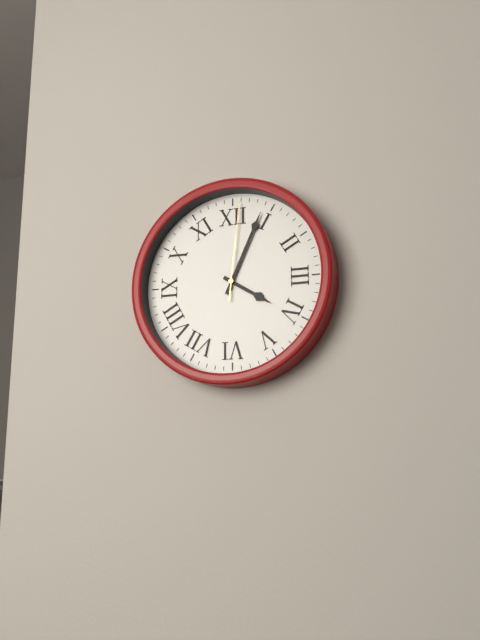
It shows 4h04m01s
